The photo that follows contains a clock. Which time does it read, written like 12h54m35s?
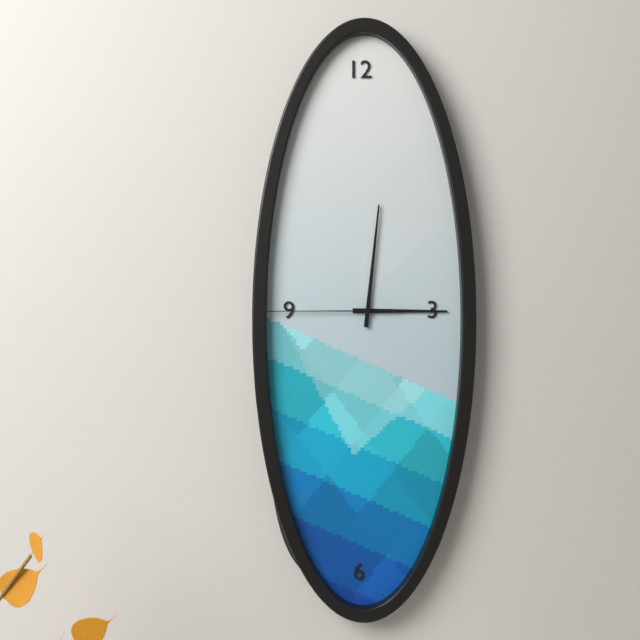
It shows 3h01m45s
